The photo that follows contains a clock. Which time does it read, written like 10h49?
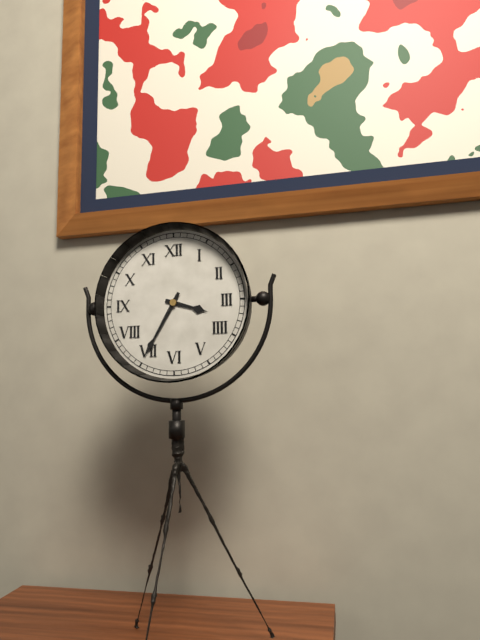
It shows 3h35
